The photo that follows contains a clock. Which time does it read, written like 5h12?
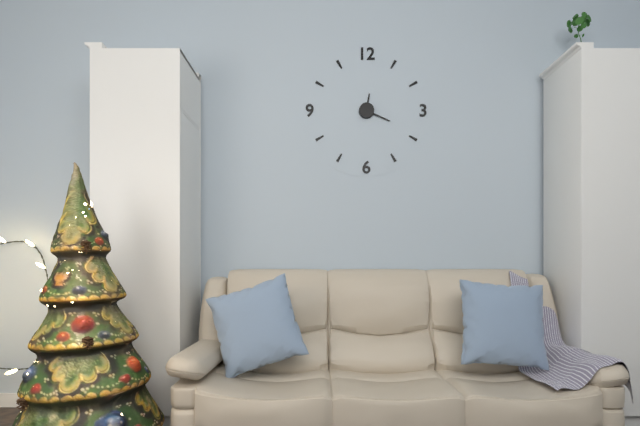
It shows 12h19
